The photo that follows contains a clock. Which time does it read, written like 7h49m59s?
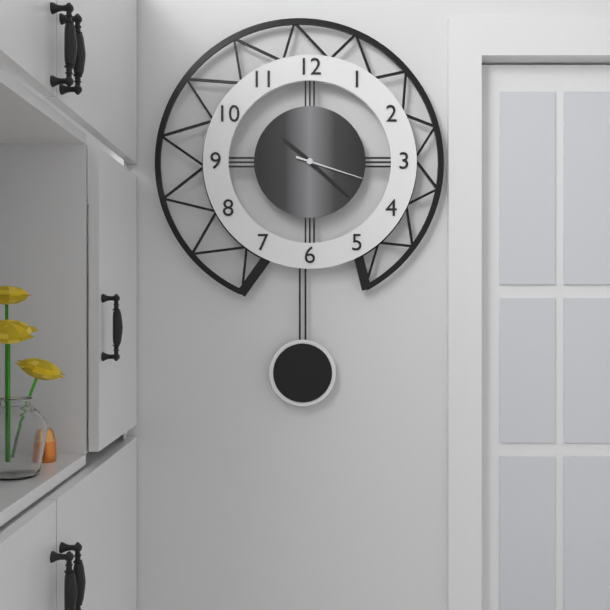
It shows 10h22m18s
